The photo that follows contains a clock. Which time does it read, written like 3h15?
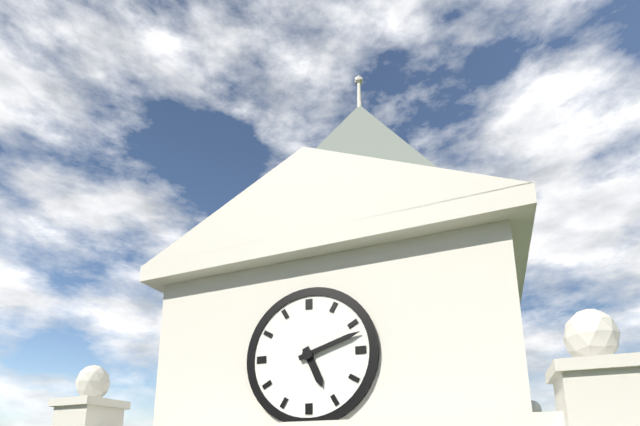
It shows 5h12
